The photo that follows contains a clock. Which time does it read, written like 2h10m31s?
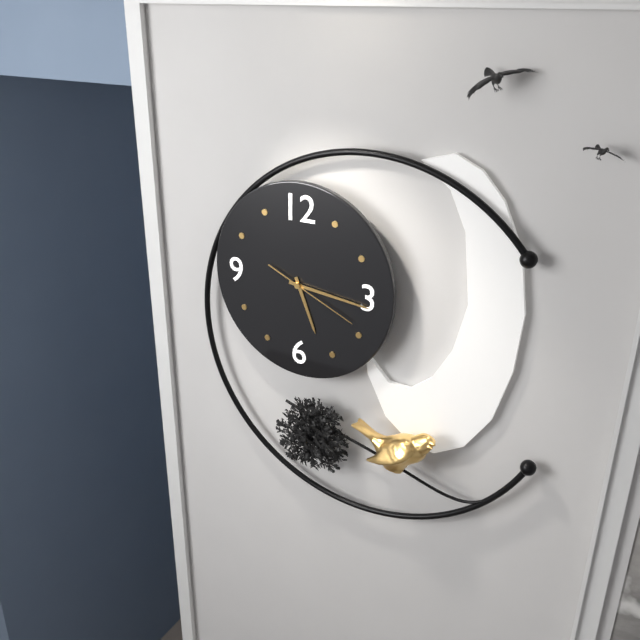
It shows 5h16m19s
